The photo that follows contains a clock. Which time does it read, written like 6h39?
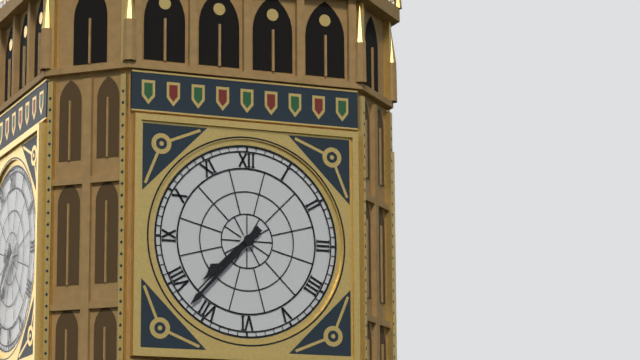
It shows 7h37
